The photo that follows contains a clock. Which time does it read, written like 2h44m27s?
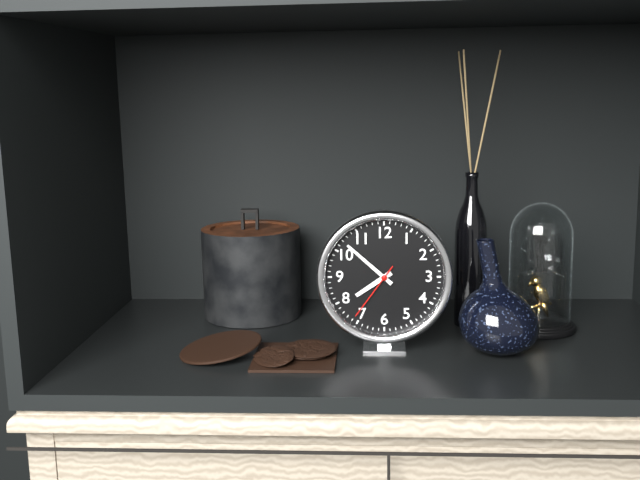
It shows 7h52m36s
